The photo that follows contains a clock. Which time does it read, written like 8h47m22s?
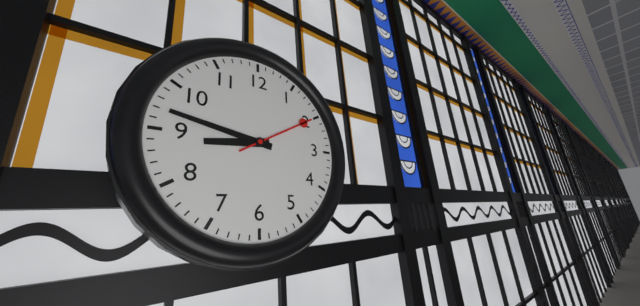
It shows 8h47m10s
